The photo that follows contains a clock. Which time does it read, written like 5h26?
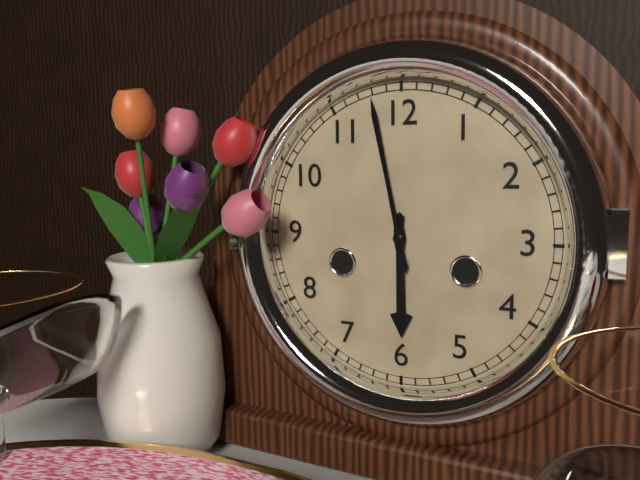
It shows 5h58
